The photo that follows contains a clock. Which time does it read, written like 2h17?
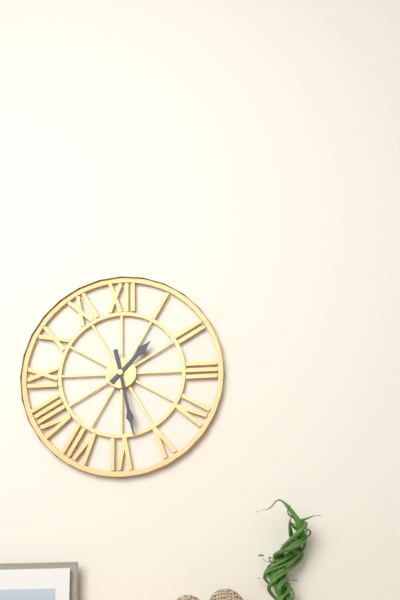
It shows 1h28
